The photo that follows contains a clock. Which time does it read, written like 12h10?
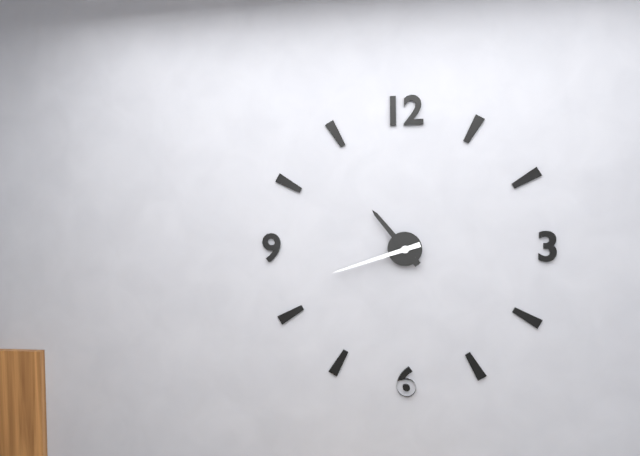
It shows 10h42
